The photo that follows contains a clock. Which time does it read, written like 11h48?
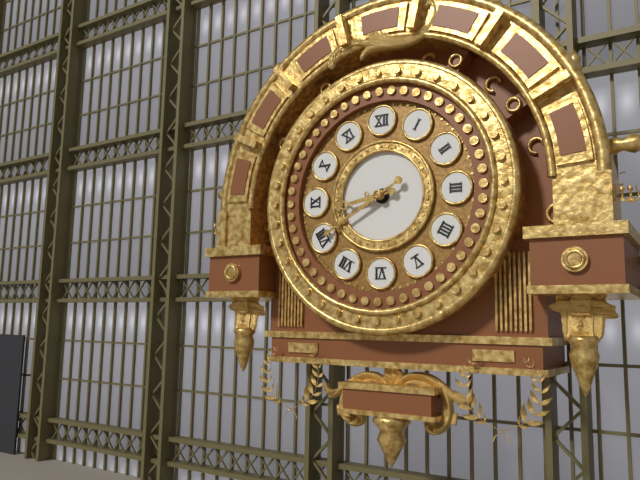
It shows 8h40
